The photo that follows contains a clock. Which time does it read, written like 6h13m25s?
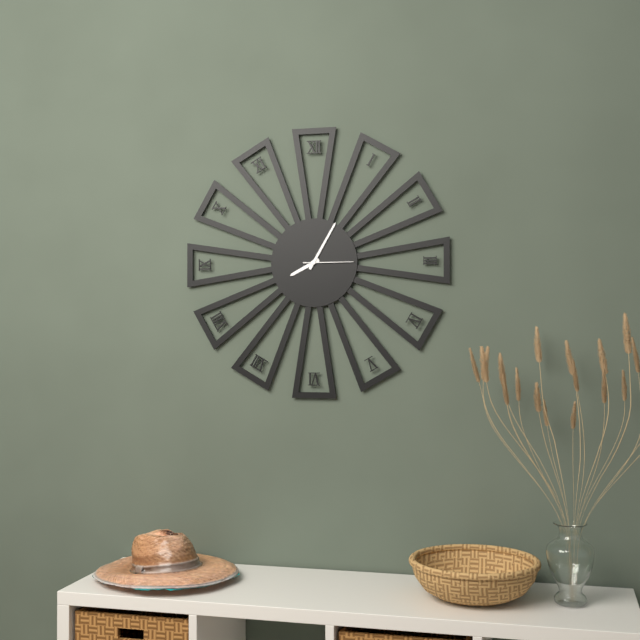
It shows 8h05m15s
